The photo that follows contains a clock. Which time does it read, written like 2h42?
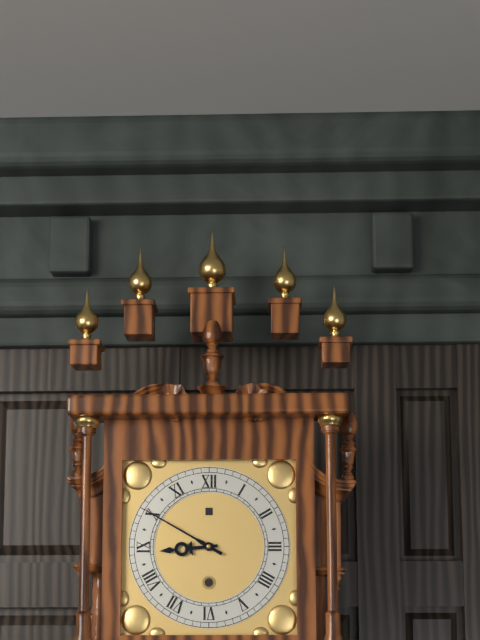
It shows 8h50
